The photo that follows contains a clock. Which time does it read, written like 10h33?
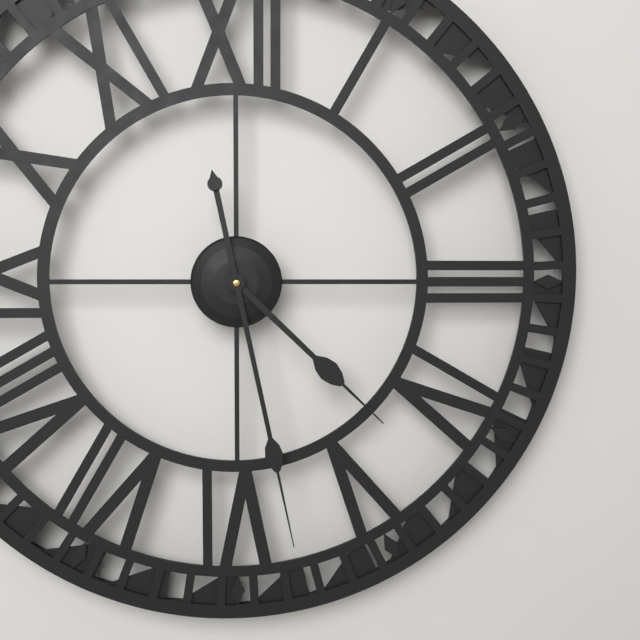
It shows 4h28
